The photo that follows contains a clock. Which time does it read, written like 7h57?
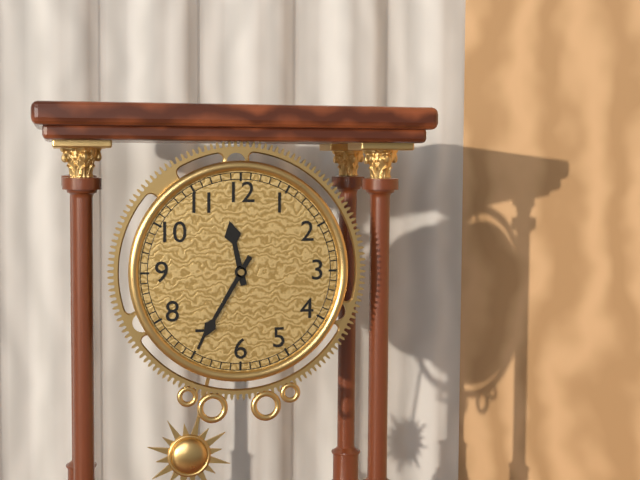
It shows 11h35
